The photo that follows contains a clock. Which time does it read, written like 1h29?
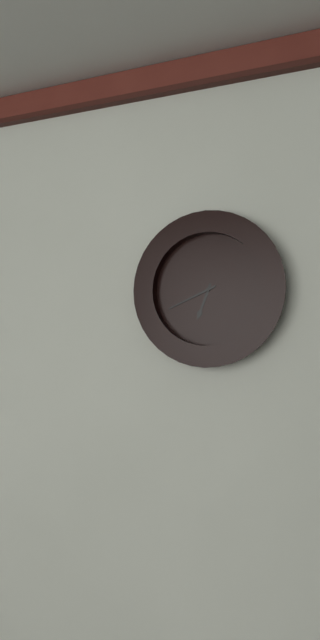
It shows 6h41
